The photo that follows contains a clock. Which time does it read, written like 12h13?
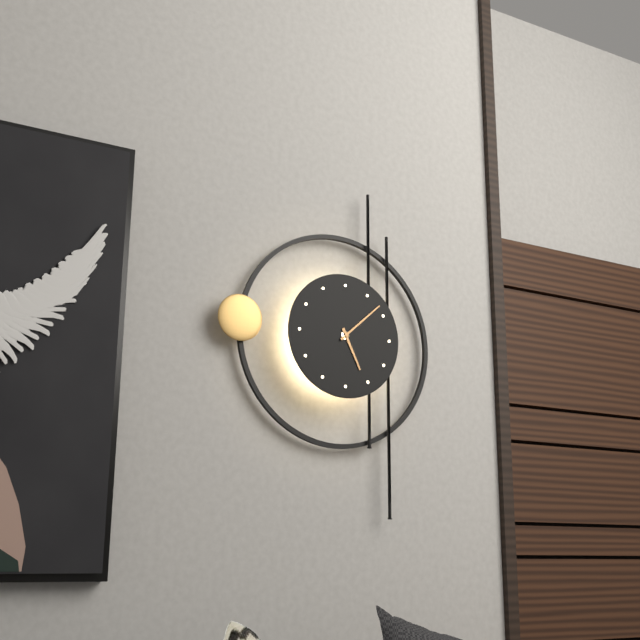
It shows 5h08
